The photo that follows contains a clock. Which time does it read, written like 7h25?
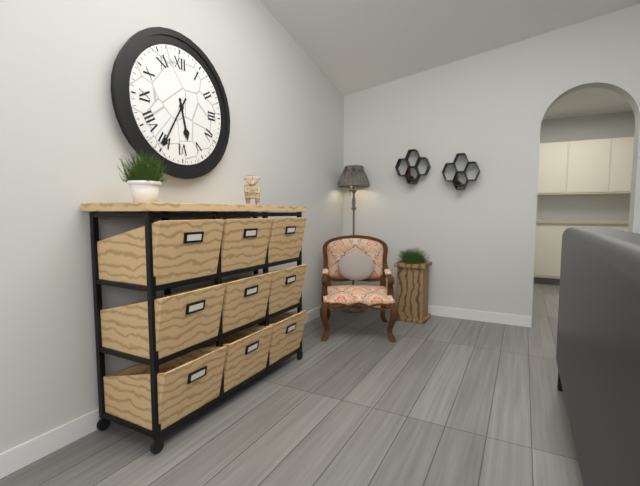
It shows 5h35
